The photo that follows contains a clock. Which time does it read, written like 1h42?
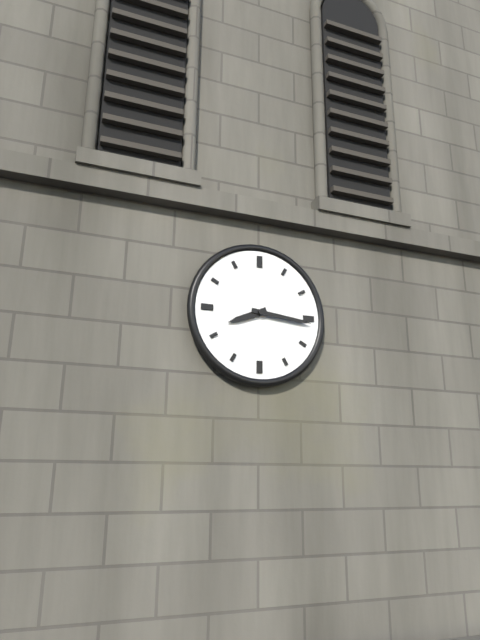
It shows 8h16
